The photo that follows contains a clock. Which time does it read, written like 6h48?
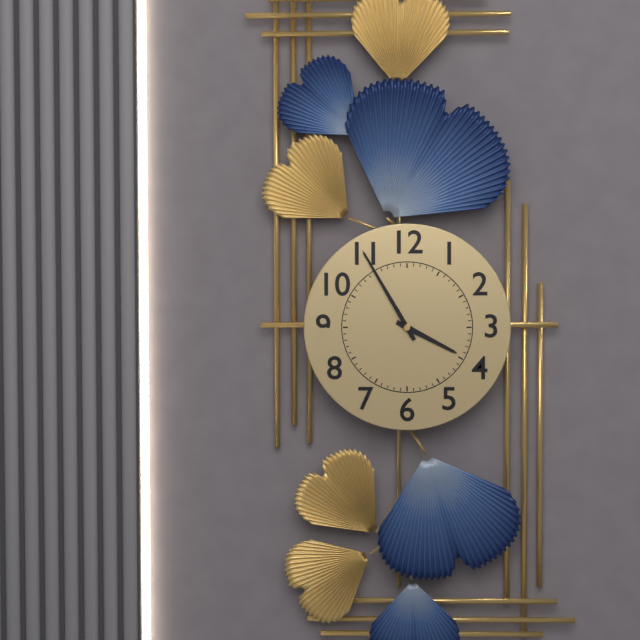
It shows 3h55
